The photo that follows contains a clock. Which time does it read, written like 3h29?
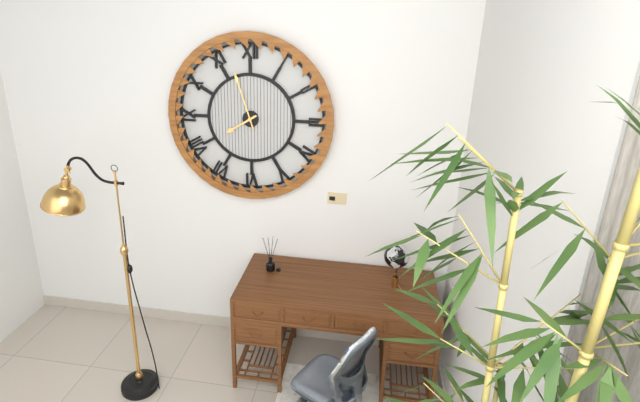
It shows 7h57
